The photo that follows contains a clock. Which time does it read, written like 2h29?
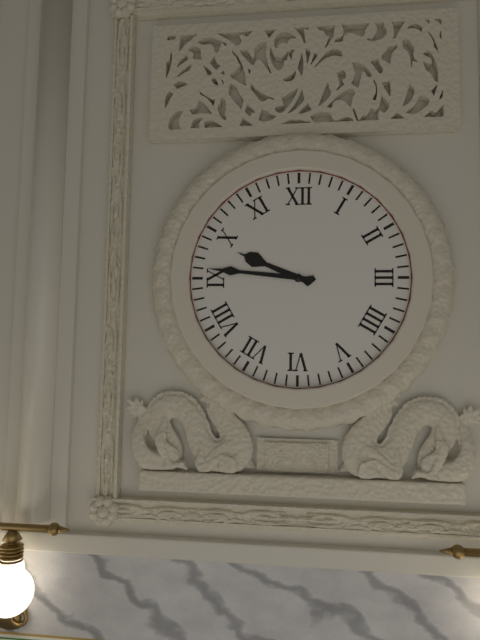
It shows 9h46
